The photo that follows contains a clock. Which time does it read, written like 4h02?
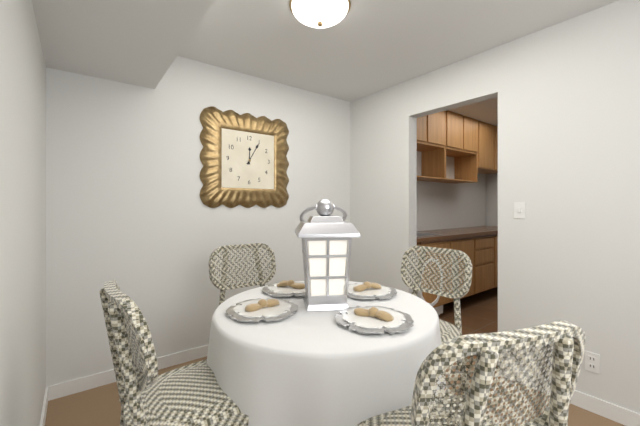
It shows 12h05
